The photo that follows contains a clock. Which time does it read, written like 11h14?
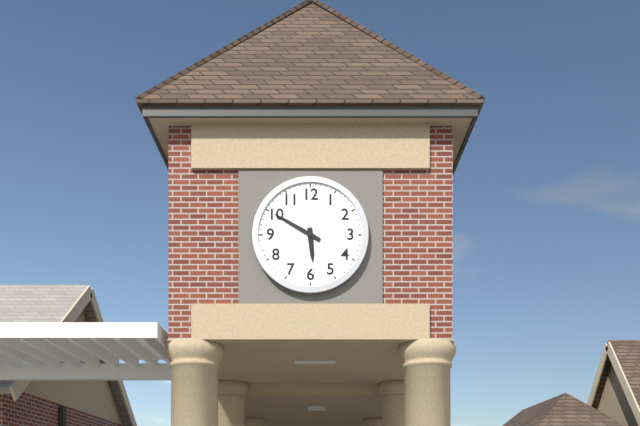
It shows 5h50
